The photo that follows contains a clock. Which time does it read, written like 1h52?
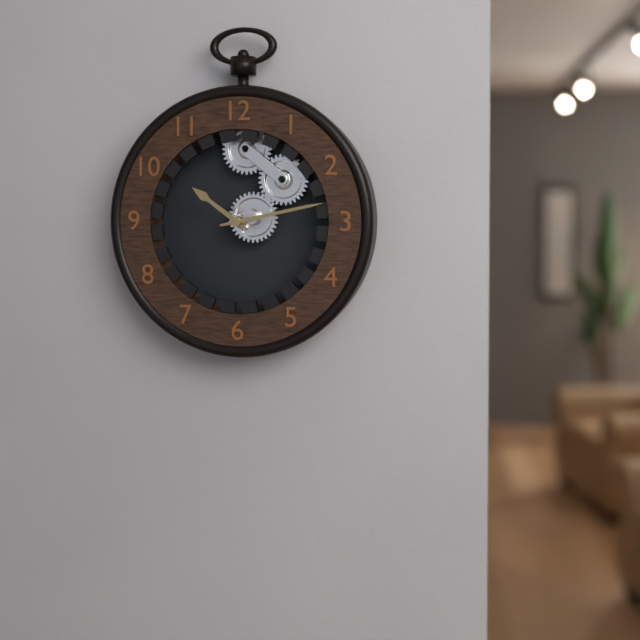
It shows 10h13
